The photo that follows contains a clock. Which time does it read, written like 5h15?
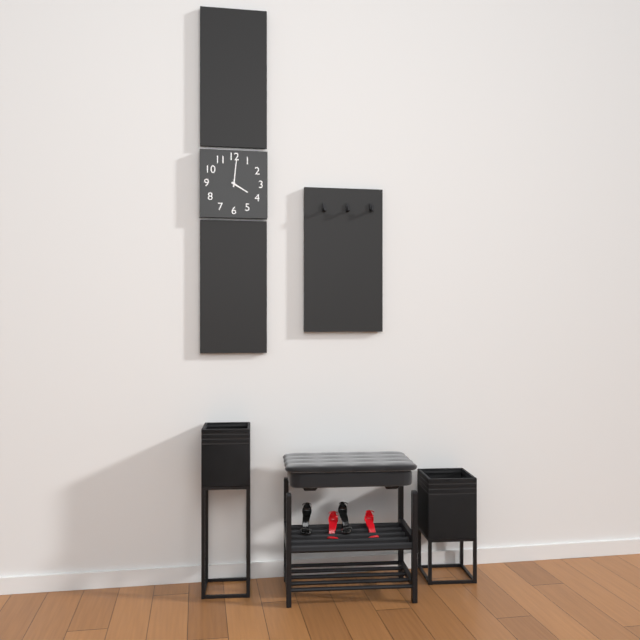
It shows 4h01
